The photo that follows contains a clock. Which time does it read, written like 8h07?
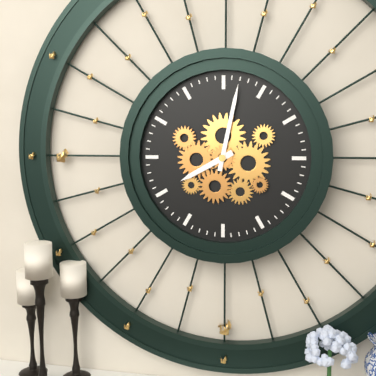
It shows 8h02
